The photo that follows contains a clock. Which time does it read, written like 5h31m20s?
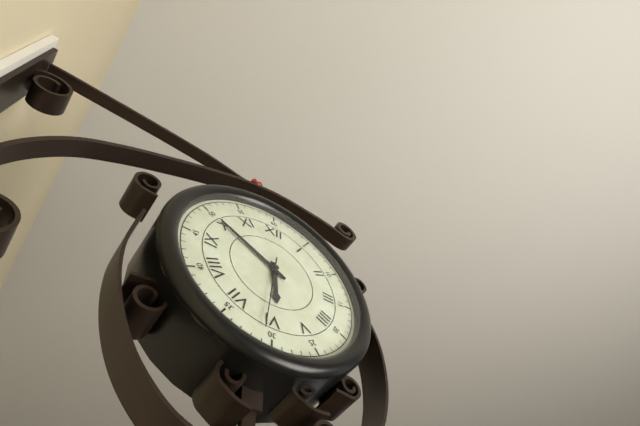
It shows 5h50m31s
